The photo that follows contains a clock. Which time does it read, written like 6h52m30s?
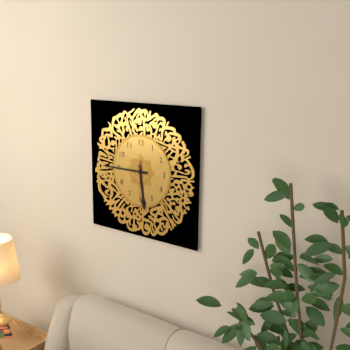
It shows 5h45m30s
